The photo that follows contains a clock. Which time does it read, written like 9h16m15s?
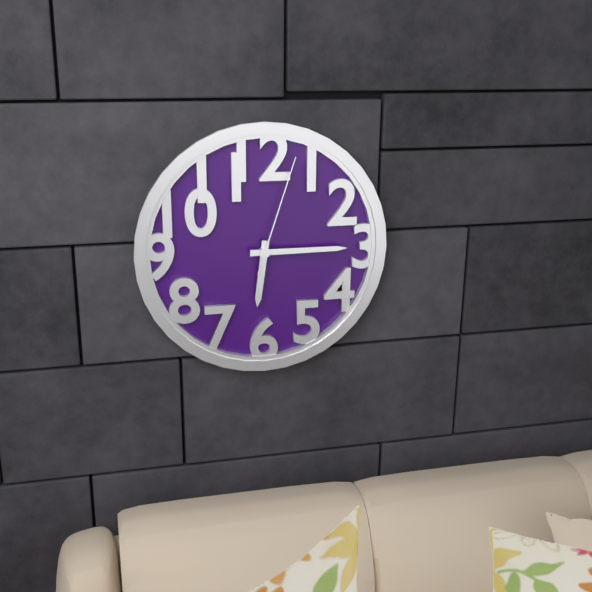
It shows 6h15m03s
